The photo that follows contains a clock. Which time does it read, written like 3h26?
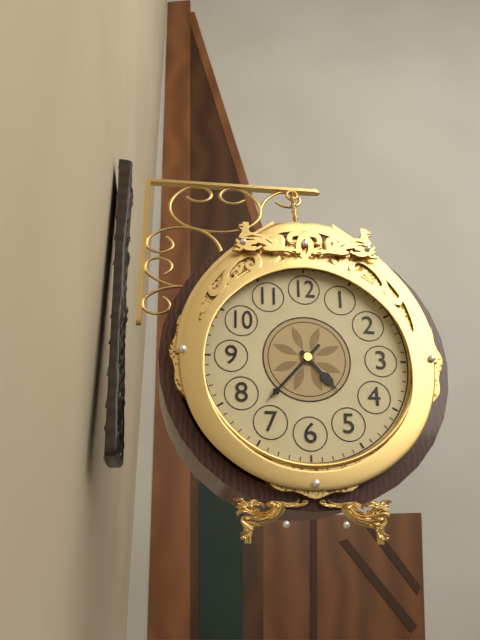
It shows 4h37
